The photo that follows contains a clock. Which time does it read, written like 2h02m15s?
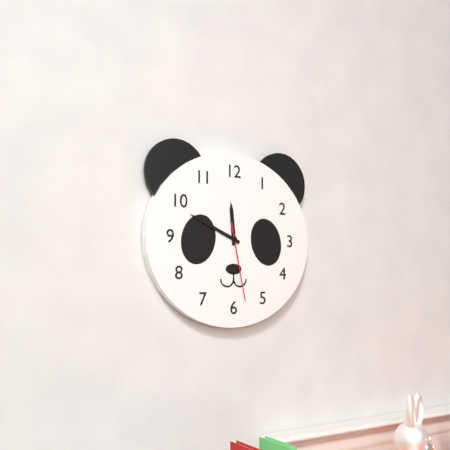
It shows 11h49m28s
